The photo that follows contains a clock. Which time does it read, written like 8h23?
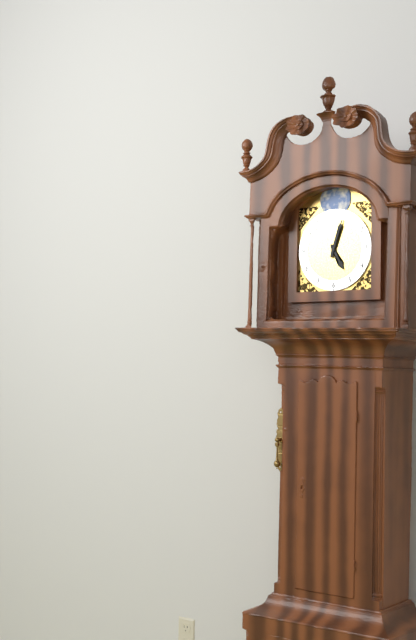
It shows 5h03
